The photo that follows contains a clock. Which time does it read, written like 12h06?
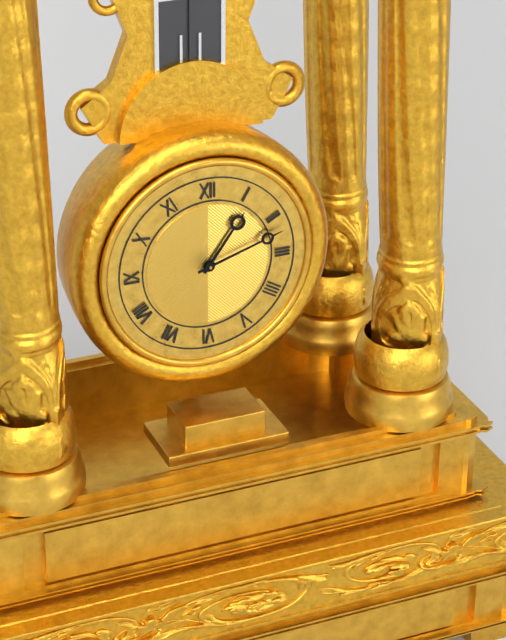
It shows 1h12
